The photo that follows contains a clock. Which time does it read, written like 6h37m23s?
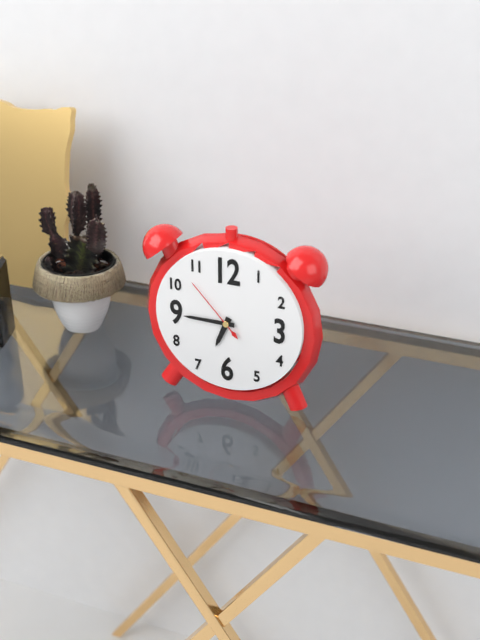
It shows 6h45m53s
